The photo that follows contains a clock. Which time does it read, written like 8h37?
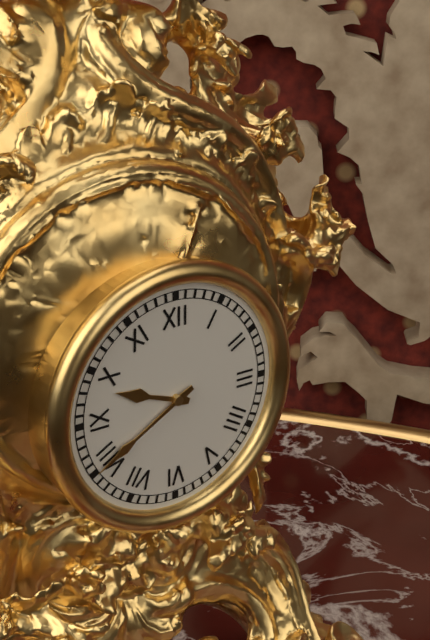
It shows 9h40
